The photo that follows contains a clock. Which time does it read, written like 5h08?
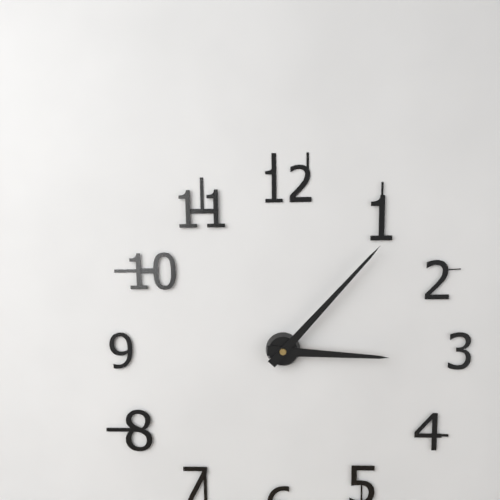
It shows 3h07
